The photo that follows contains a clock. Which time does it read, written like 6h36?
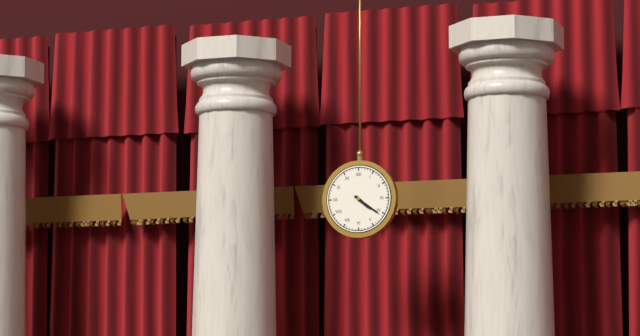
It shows 4h21
